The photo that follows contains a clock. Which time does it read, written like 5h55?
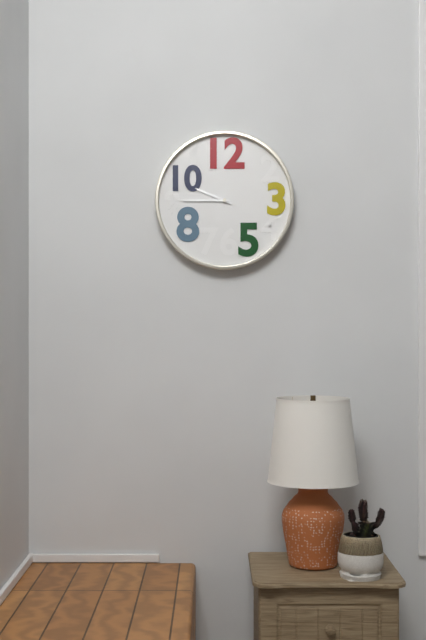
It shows 9h45
